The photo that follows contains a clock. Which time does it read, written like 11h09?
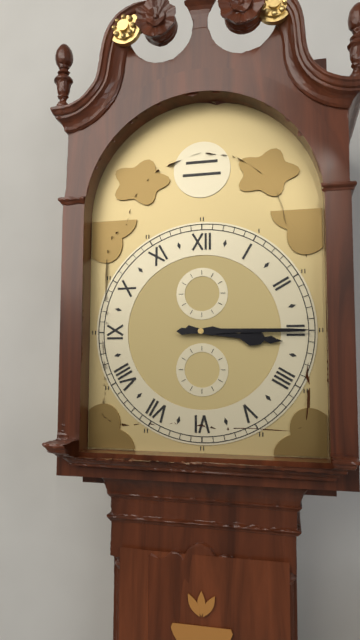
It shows 3h15
